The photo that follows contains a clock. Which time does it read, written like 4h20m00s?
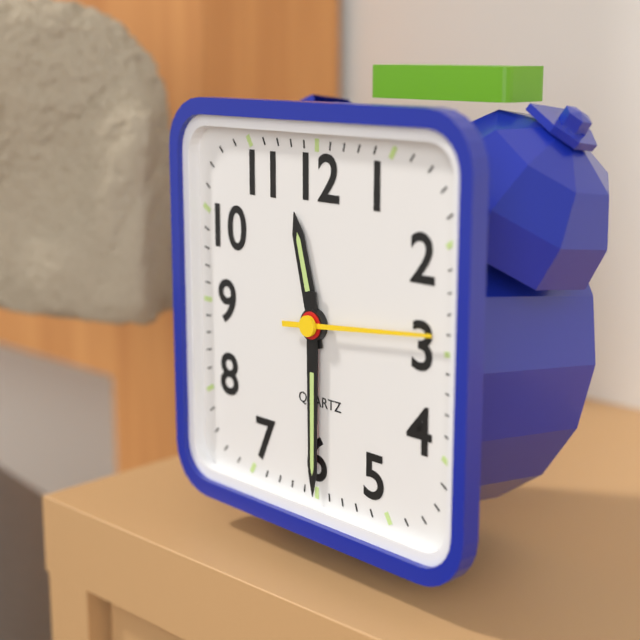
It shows 11h30m14s
